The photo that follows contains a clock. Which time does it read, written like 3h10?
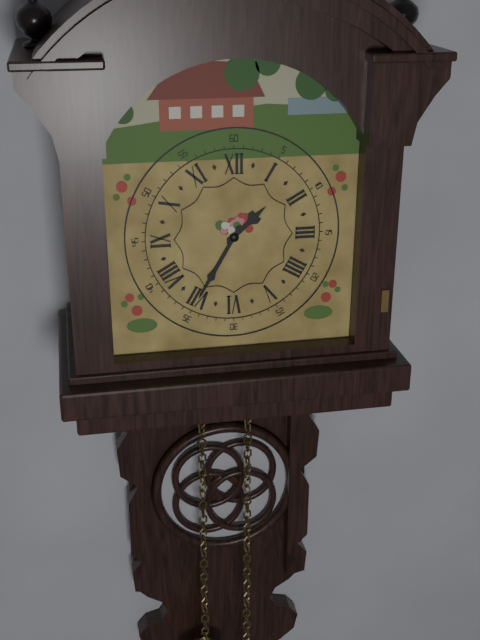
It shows 1h35
